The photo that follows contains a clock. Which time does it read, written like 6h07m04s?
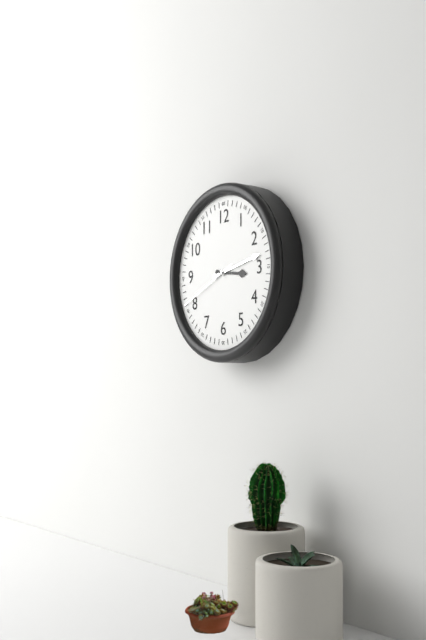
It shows 3h13m41s
